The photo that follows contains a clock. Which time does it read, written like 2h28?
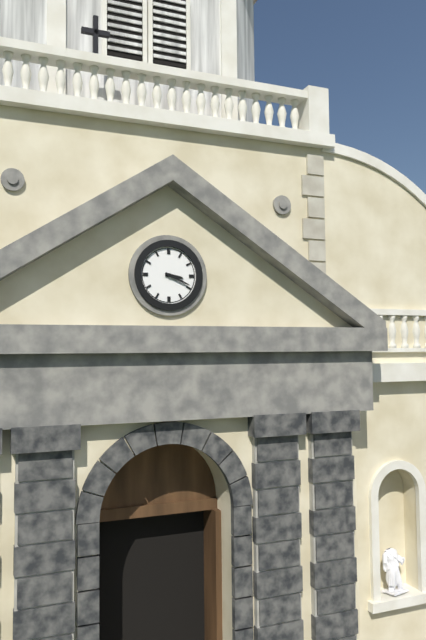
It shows 3h19
